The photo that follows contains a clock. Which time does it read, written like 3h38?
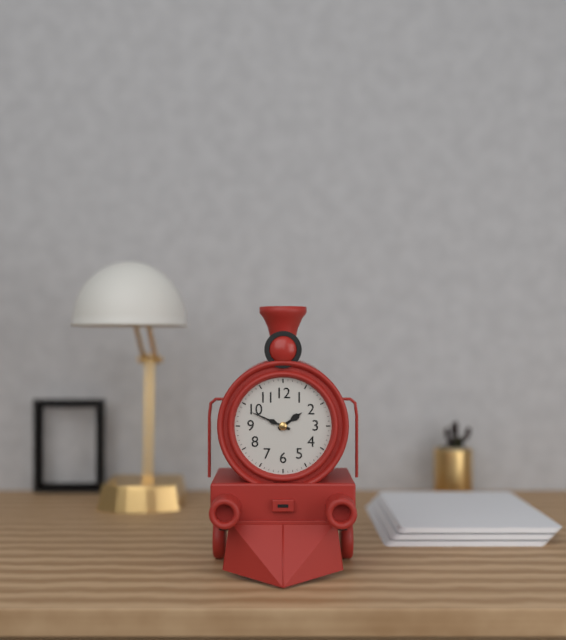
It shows 1h49
